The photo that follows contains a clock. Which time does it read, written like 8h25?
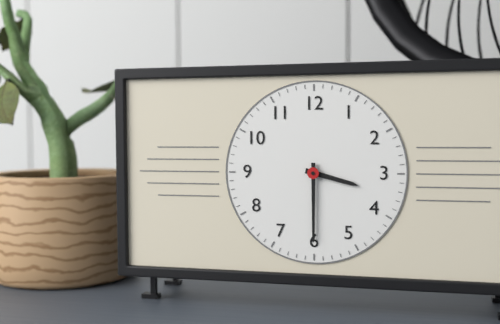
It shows 3h30
